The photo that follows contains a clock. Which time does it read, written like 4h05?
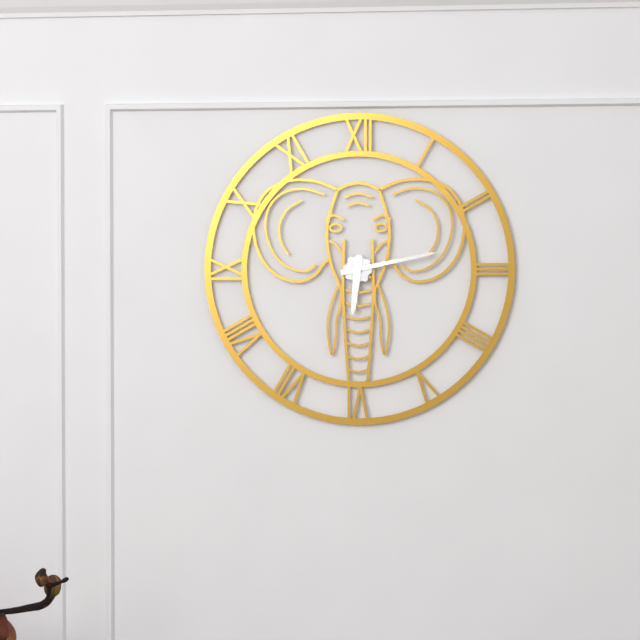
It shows 6h13
